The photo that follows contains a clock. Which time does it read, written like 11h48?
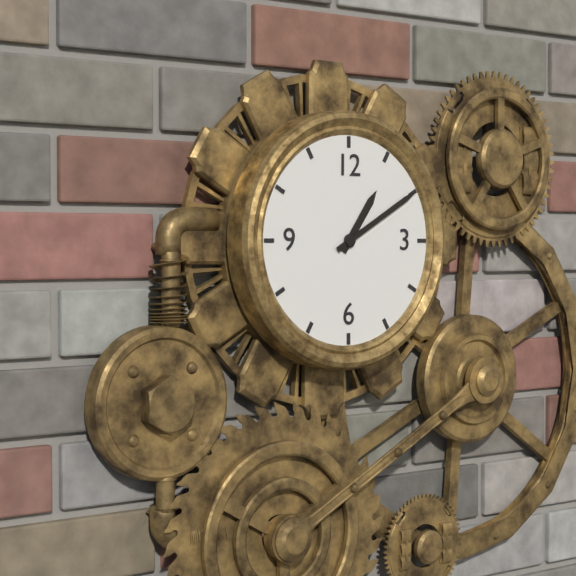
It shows 1h10
